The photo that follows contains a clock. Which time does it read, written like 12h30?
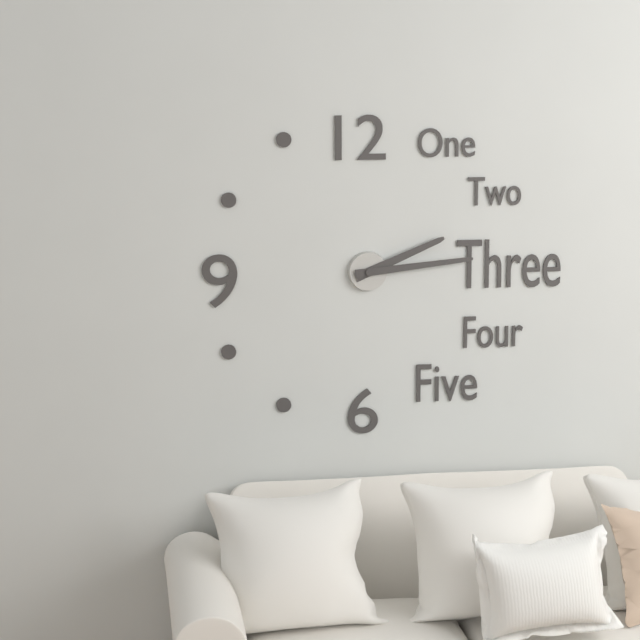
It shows 2h14
